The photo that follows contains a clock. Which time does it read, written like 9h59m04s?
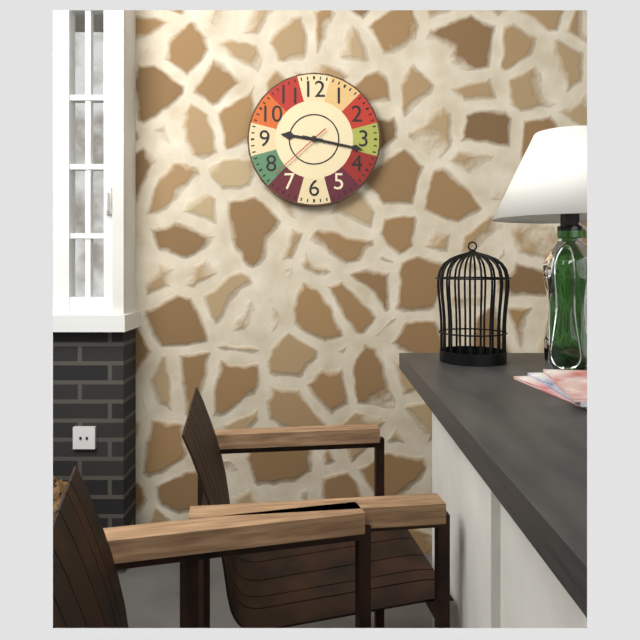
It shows 9h17m38s
